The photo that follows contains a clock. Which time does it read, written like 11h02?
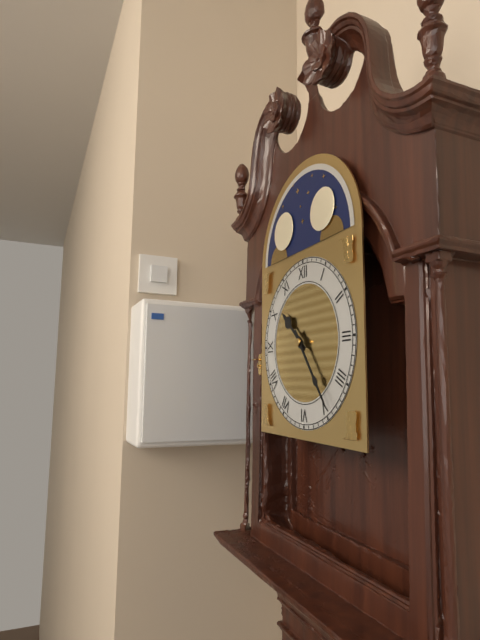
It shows 10h24
